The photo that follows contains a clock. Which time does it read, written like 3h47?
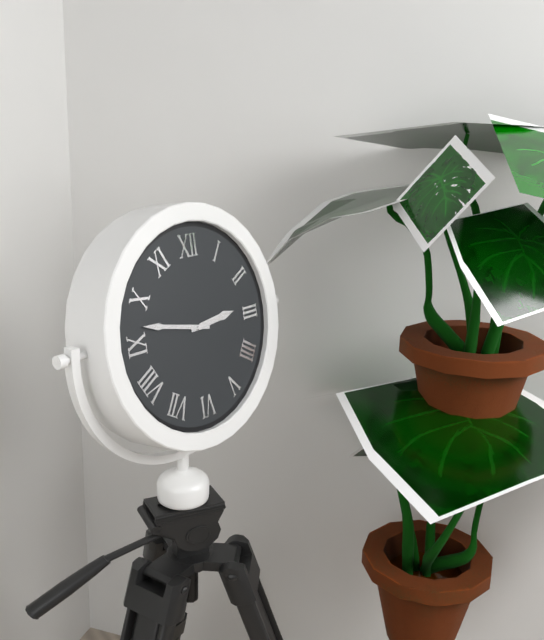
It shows 2h47
